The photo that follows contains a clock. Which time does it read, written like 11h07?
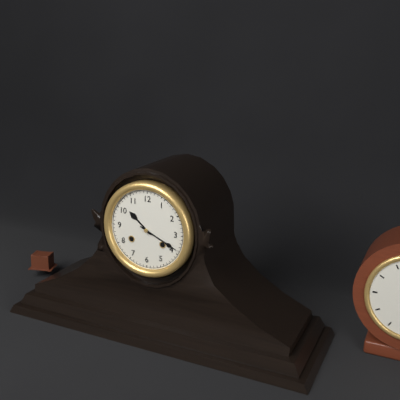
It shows 10h19
